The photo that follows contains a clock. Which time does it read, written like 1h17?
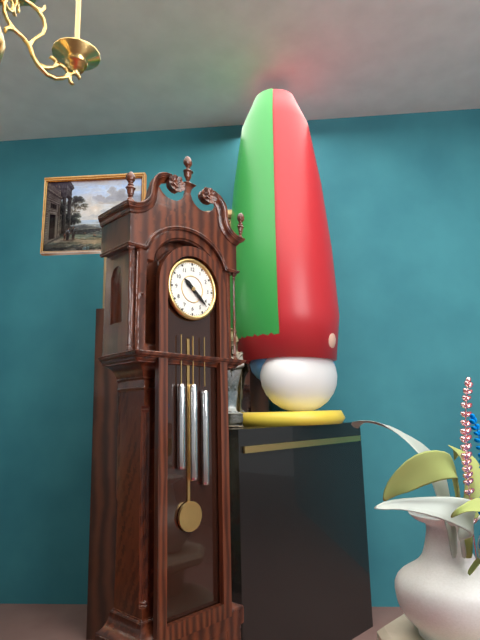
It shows 10h22
